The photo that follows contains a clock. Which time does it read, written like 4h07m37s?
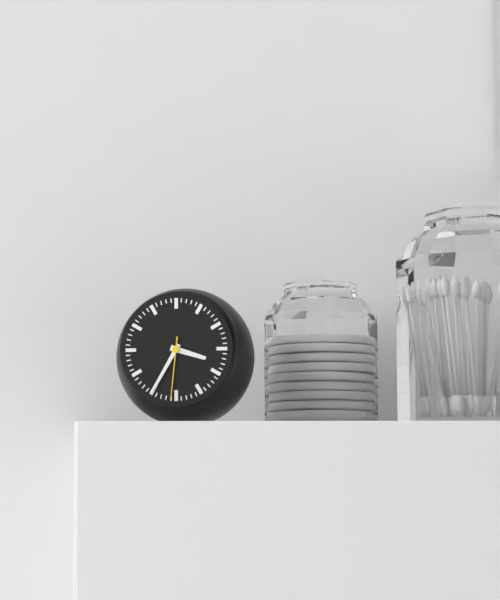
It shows 3h35m31s
